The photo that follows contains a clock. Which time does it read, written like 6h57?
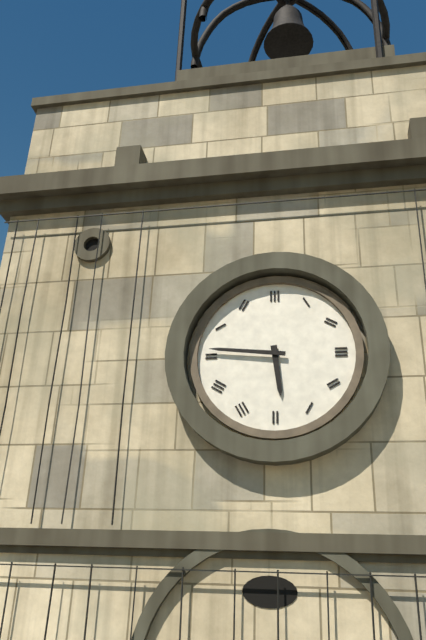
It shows 5h46
